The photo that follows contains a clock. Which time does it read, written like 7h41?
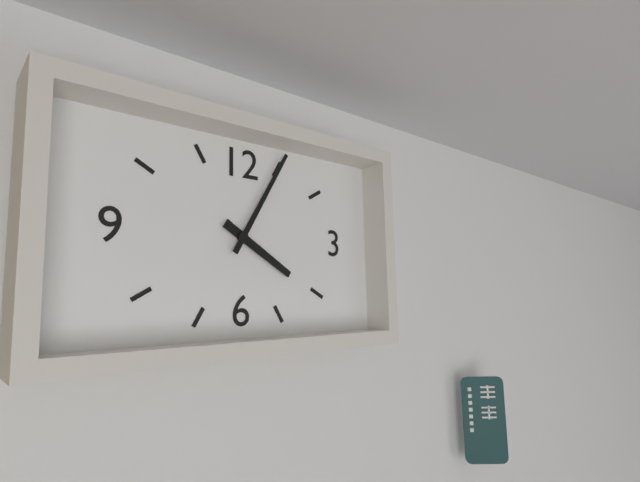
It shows 4h05
